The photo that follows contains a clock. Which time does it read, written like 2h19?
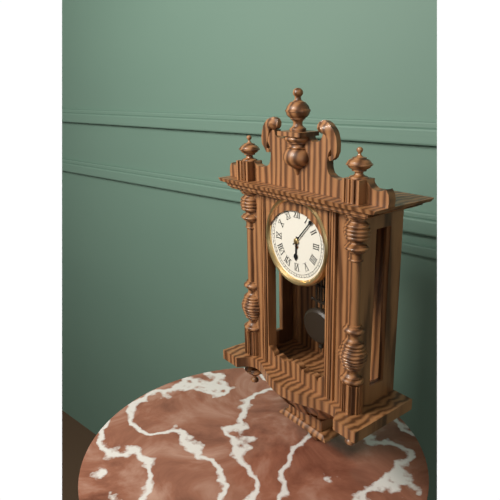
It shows 6h07
